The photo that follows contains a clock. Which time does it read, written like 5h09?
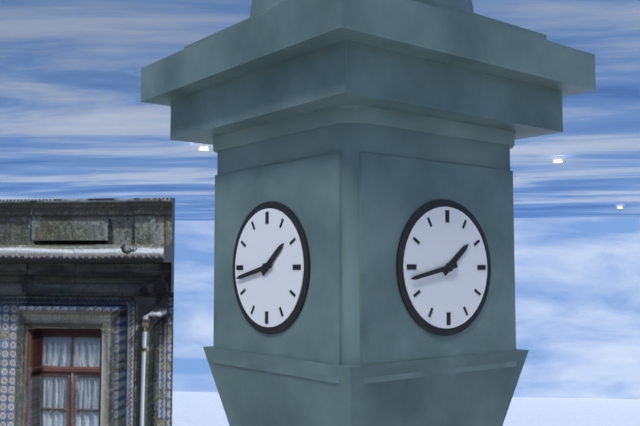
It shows 1h43
